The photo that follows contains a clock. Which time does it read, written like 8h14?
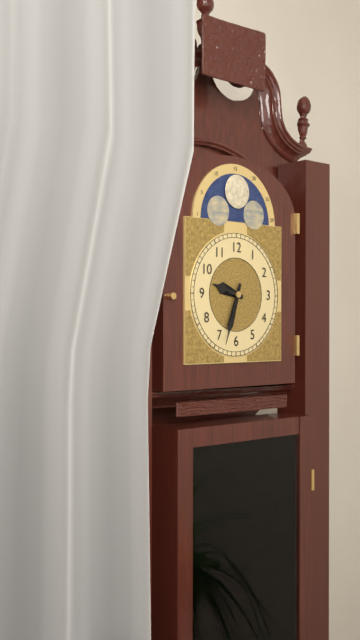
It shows 9h33
